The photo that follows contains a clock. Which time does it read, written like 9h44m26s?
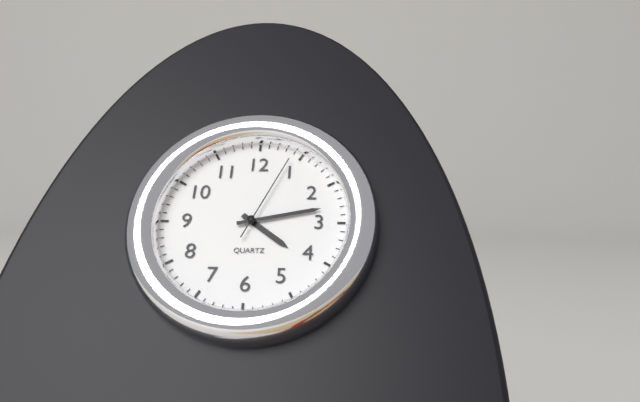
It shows 4h13m04s
